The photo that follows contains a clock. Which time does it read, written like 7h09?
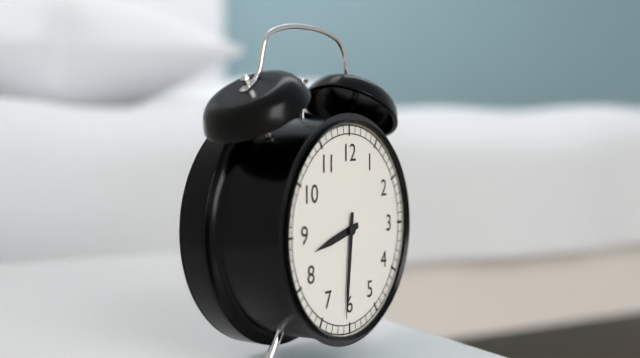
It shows 8h31
